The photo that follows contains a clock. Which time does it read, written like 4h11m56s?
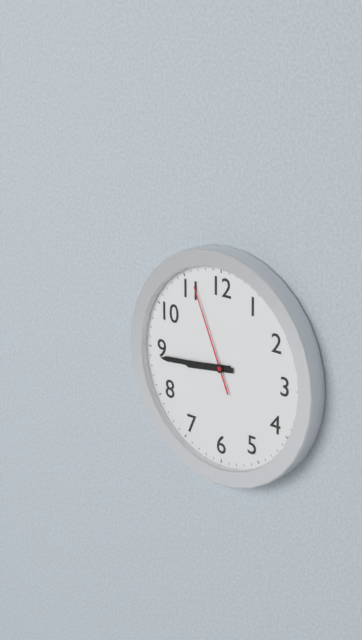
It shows 8h44m56s
